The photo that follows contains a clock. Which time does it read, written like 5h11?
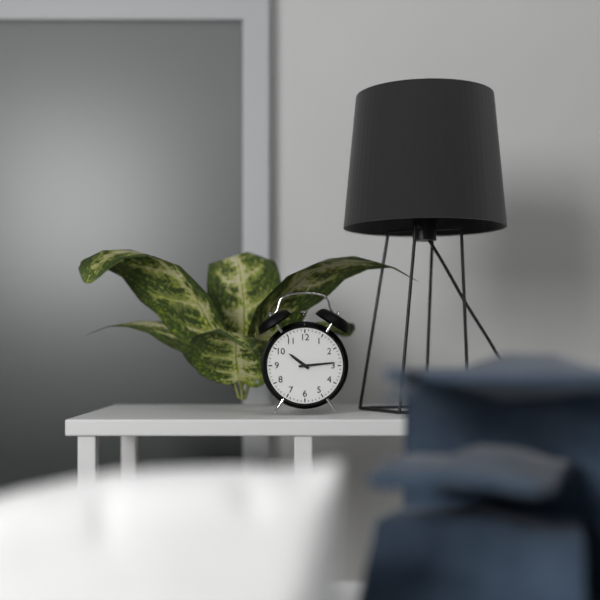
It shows 10h14
